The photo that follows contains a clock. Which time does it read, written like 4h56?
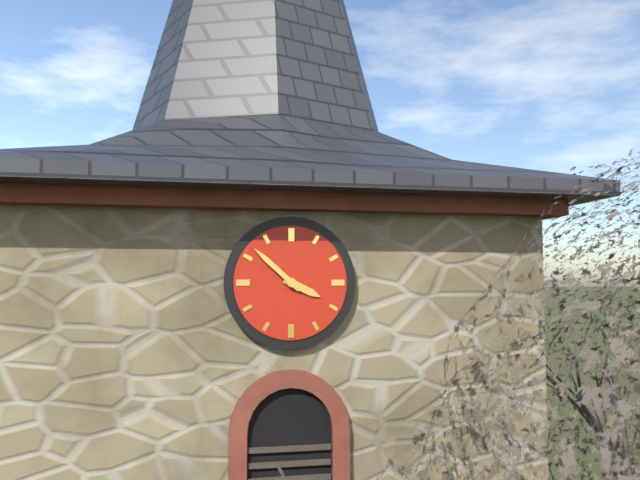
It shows 3h52
